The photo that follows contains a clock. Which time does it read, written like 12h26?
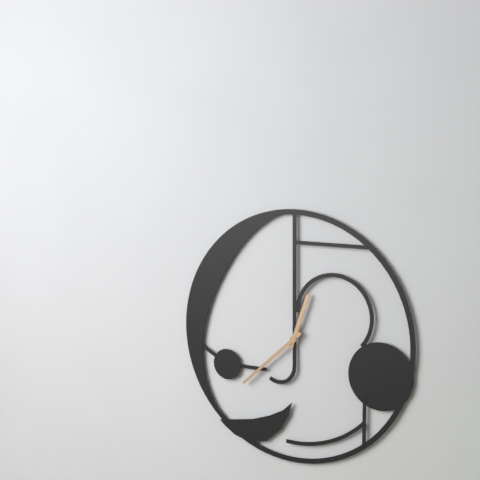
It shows 12h38
